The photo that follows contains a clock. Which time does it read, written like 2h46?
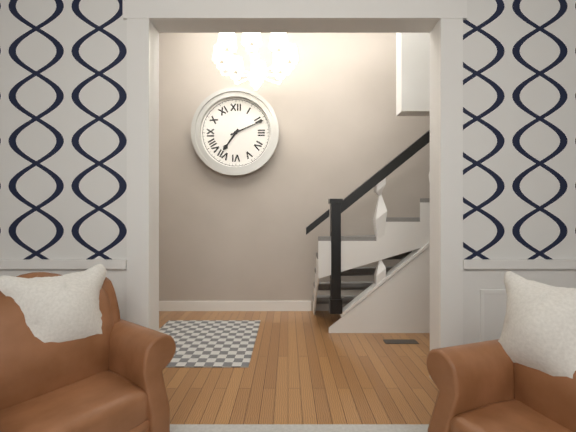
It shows 7h11
